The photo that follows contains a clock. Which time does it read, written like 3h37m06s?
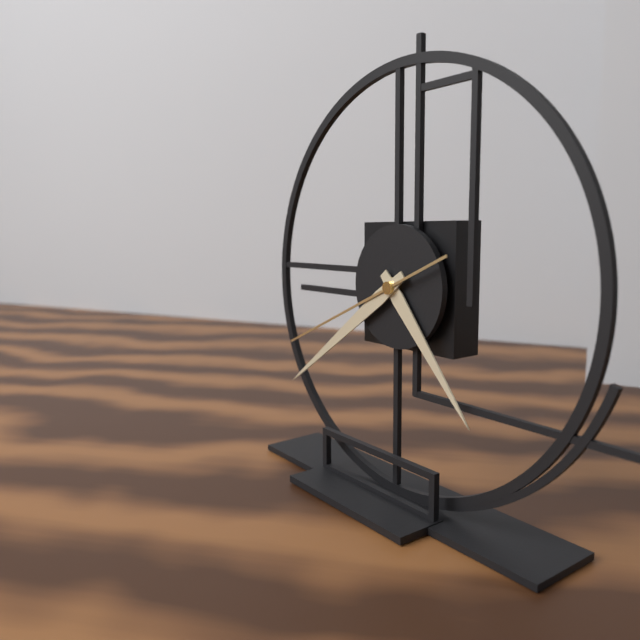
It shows 4h39m41s
